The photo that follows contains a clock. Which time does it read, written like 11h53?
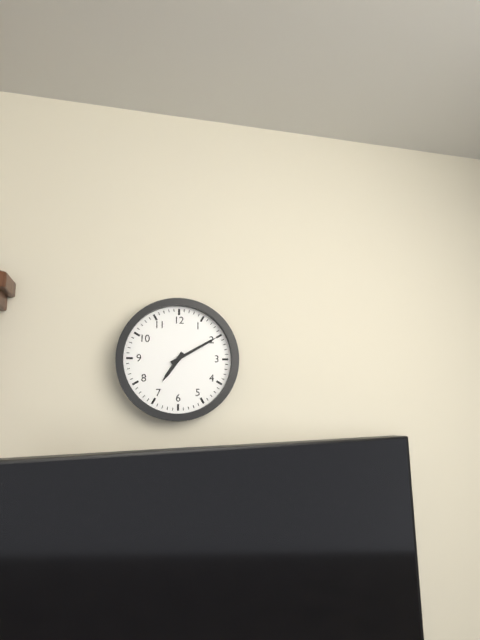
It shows 7h10
